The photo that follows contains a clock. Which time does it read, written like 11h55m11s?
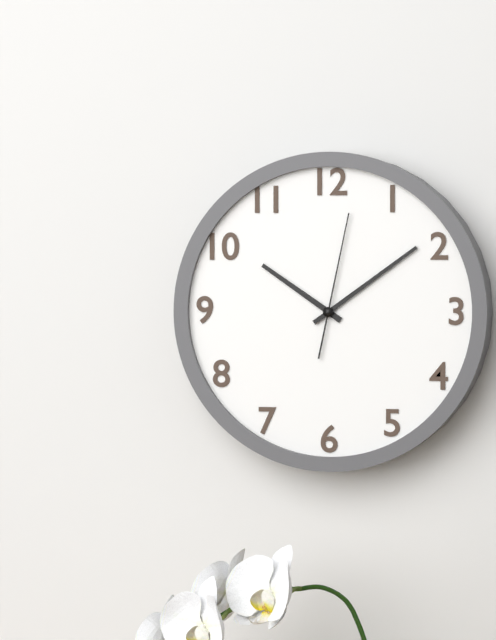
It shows 10h09m02s
